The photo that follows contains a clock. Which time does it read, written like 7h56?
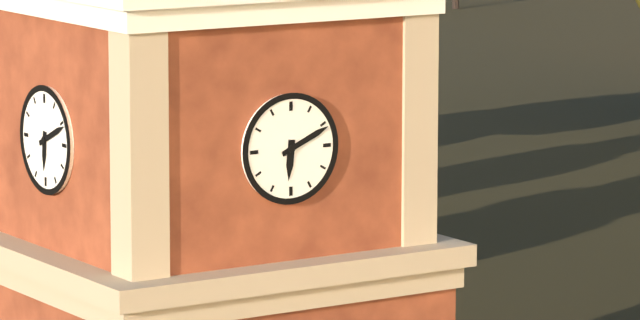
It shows 6h11
